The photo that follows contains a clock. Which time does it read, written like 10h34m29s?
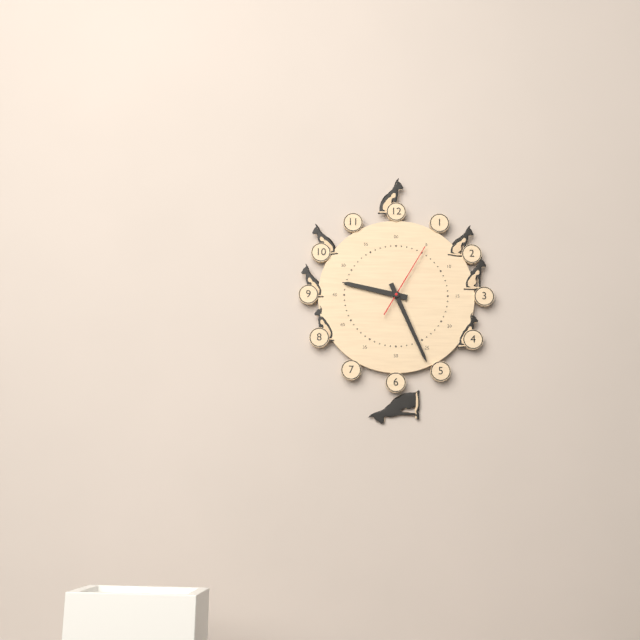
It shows 9h26m05s
